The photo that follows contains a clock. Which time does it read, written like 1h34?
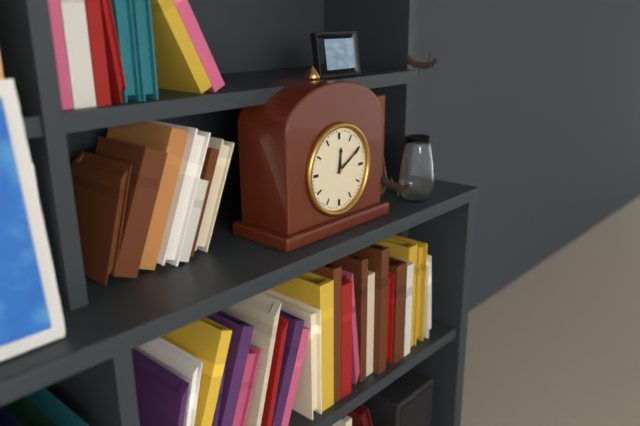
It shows 12h10
